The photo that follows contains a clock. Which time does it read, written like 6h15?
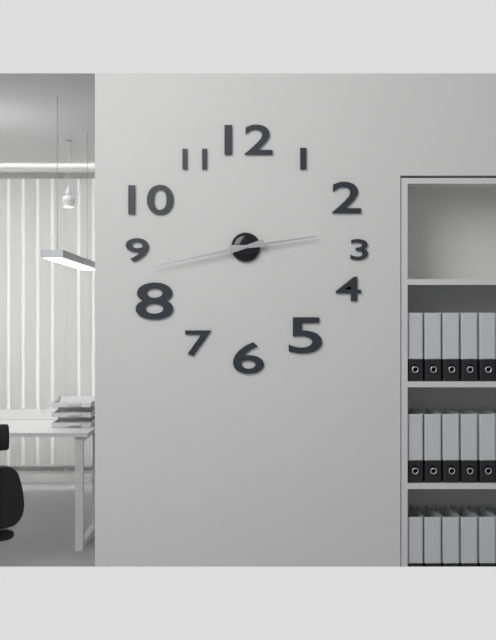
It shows 2h43
